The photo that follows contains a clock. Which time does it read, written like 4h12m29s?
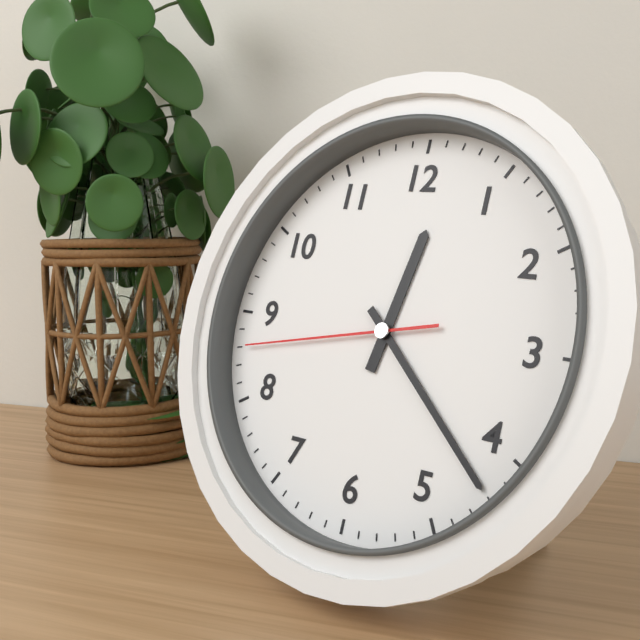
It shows 12h22m43s
